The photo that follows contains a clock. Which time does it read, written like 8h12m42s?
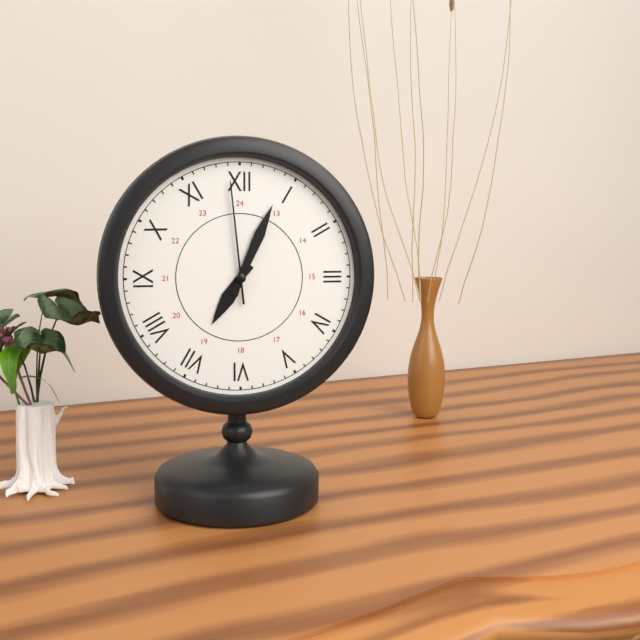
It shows 7h04m59s
